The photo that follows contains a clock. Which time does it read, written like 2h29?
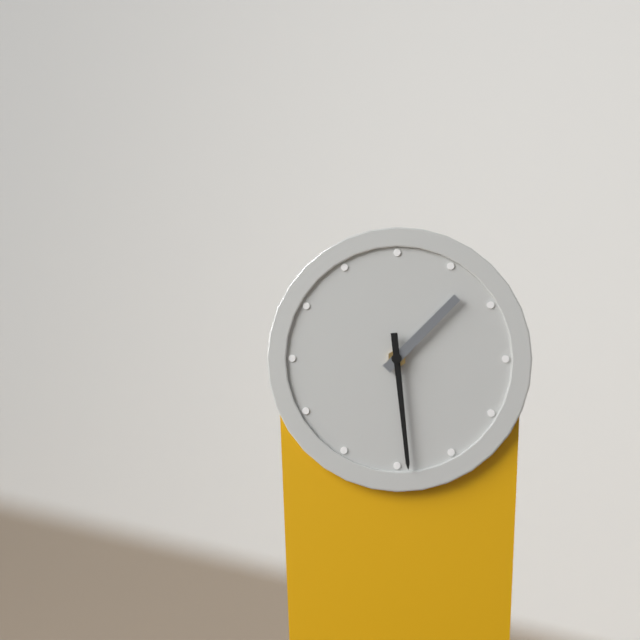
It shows 1h29
